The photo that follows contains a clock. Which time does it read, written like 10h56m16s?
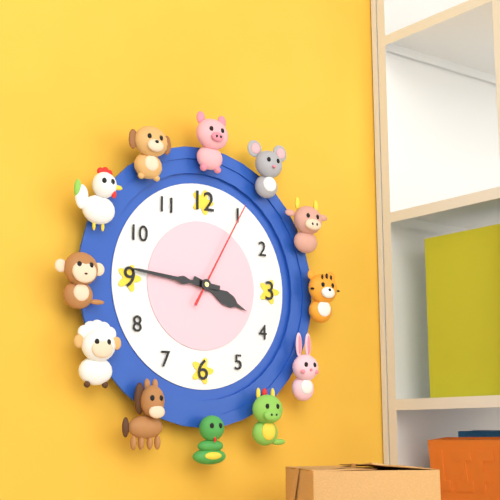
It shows 3h46m05s
